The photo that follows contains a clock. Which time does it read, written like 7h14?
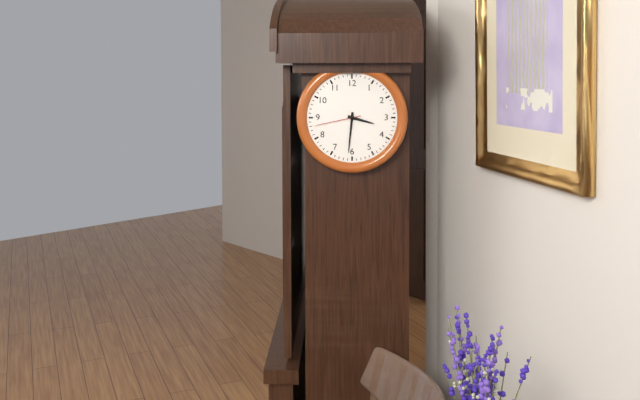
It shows 3h31
